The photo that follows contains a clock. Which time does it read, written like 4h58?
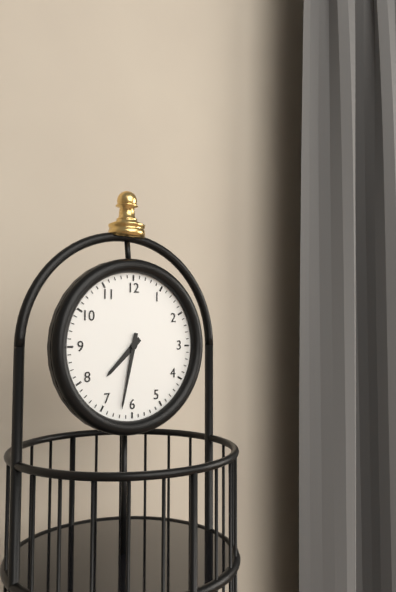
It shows 7h32
